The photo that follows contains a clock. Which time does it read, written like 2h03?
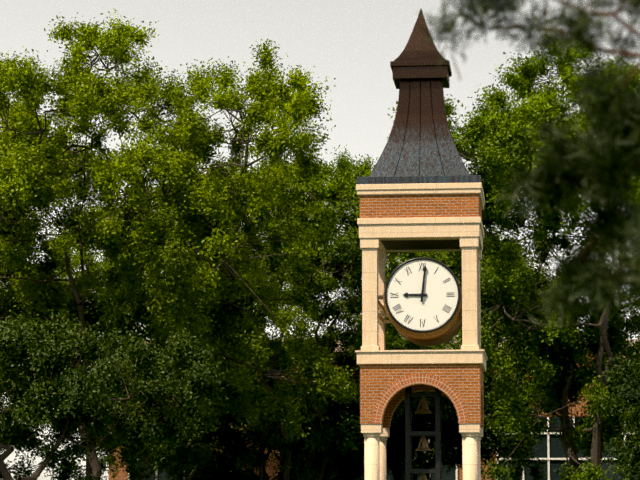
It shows 9h01
